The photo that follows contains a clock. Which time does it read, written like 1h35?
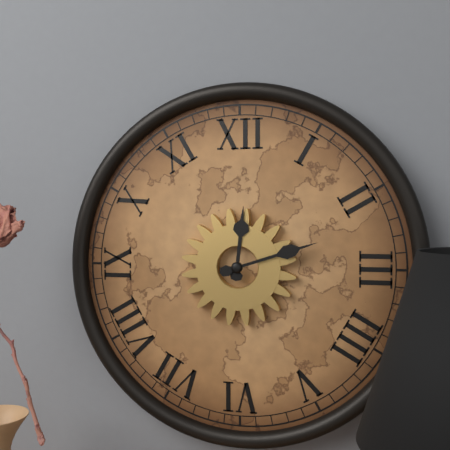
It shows 12h12
